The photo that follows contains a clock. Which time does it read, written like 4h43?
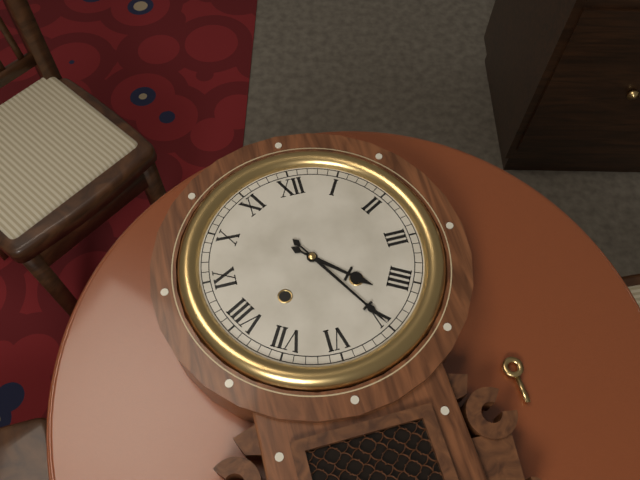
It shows 4h25
